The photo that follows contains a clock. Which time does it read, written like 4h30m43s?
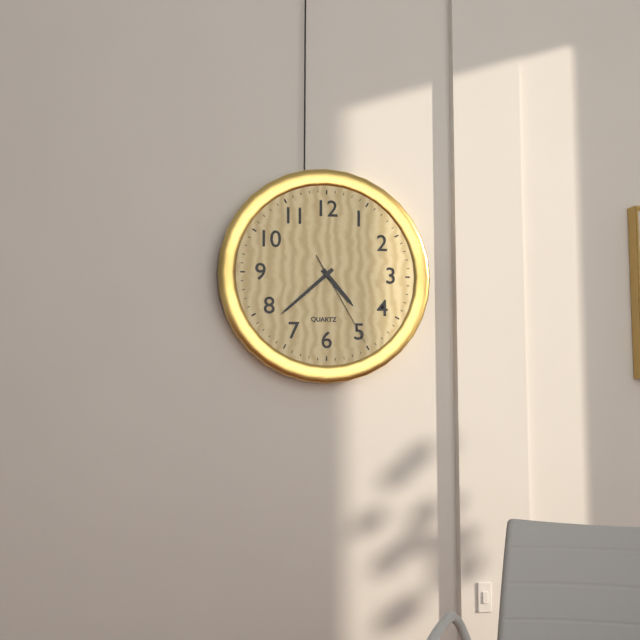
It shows 4h38m25s
